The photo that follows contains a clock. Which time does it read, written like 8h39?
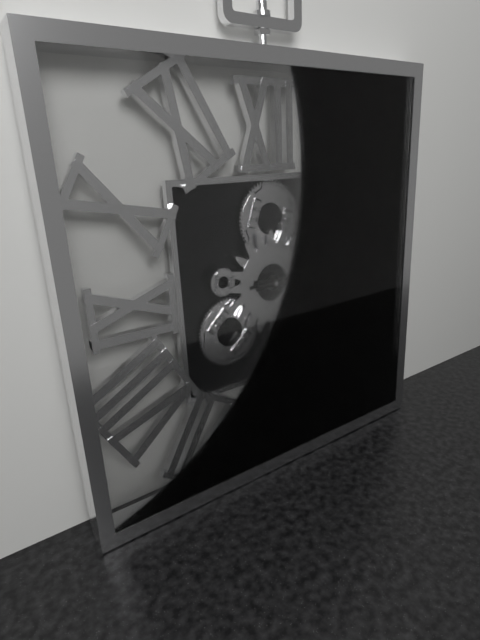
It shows 3h14
